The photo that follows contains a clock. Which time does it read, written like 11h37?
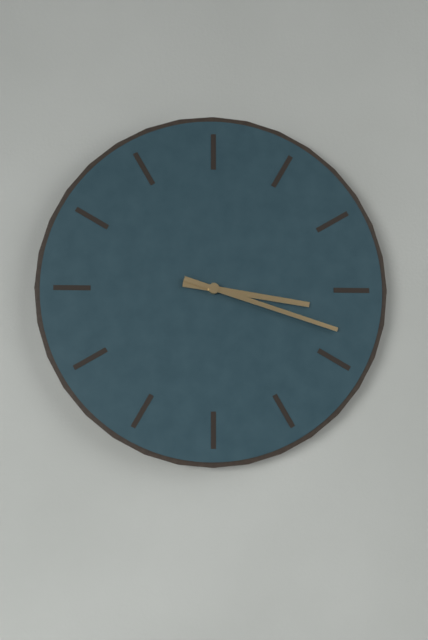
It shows 3h18
